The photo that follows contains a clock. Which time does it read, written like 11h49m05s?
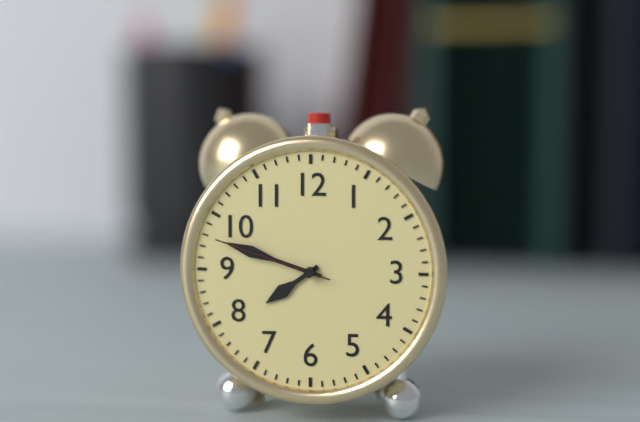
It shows 7h48m48s
